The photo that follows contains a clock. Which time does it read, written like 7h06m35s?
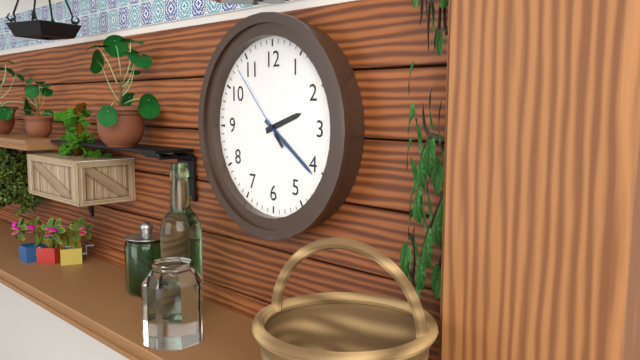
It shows 2h21m53s
